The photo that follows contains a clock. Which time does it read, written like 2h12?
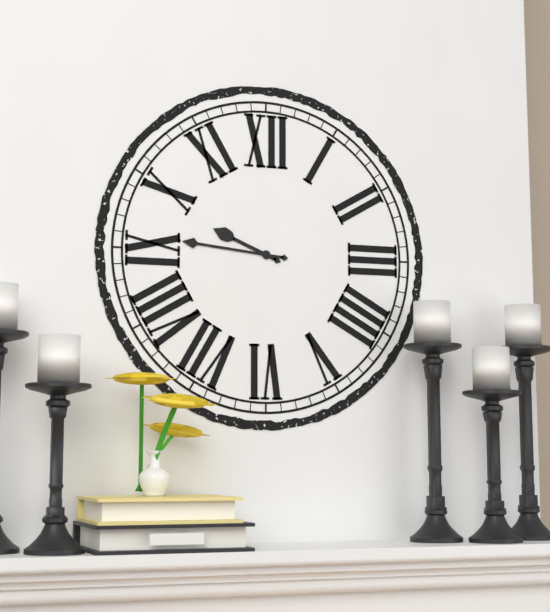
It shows 9h46
